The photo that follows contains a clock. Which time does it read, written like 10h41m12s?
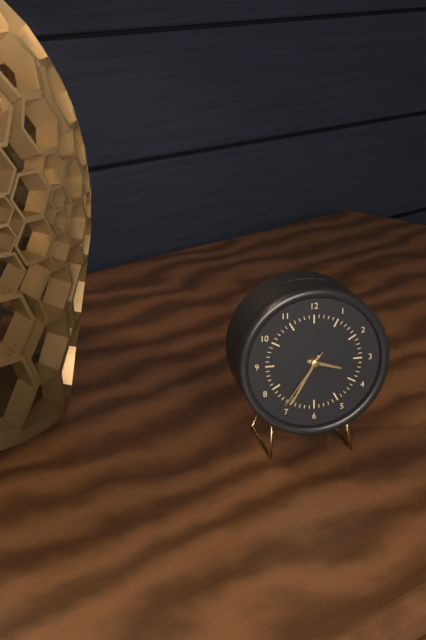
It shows 3h35m36s
